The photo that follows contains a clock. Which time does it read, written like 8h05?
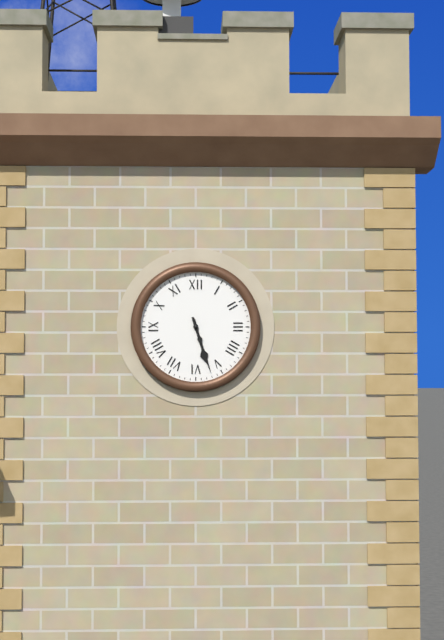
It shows 5h27
